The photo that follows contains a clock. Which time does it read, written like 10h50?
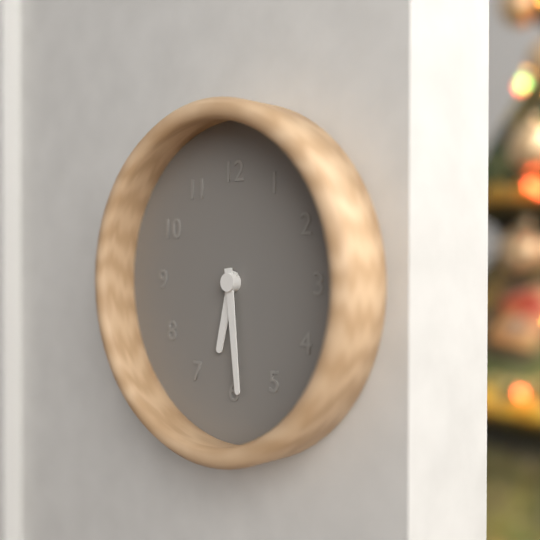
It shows 6h29
